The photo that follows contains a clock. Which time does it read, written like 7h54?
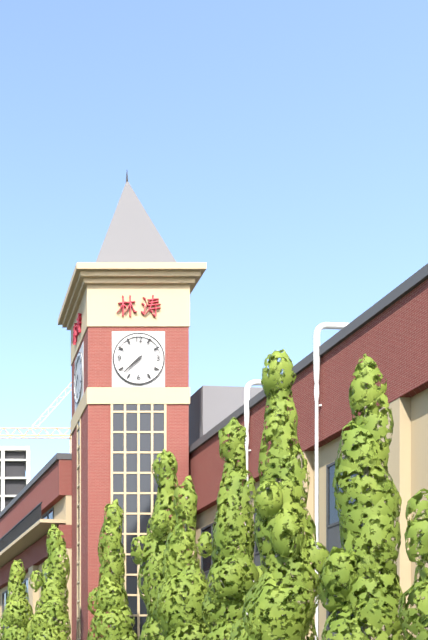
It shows 7h38
